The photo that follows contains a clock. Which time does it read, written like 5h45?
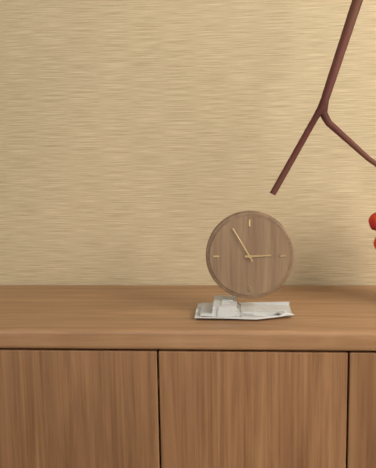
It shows 2h55
